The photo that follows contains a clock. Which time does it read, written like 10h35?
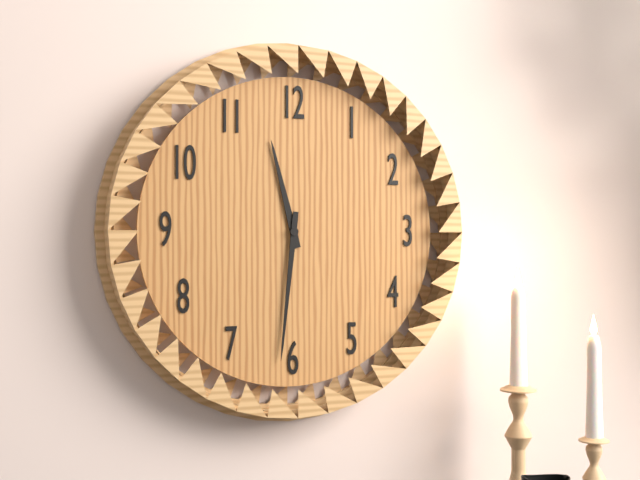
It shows 11h31
